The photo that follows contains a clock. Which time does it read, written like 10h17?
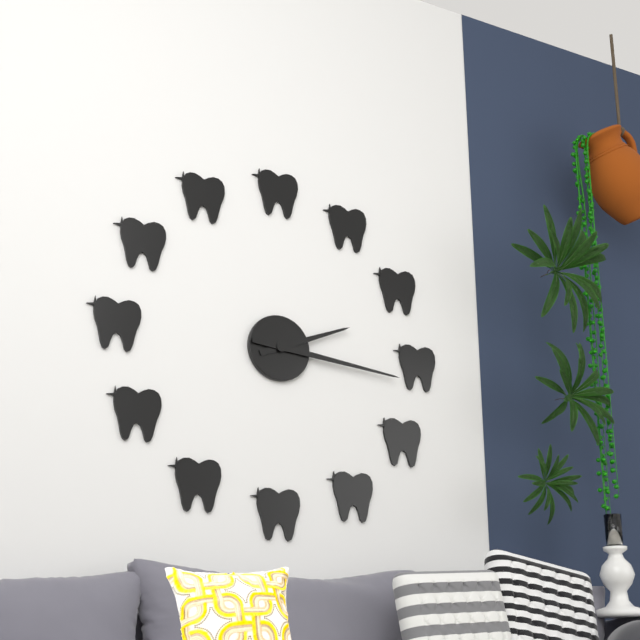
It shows 2h16
